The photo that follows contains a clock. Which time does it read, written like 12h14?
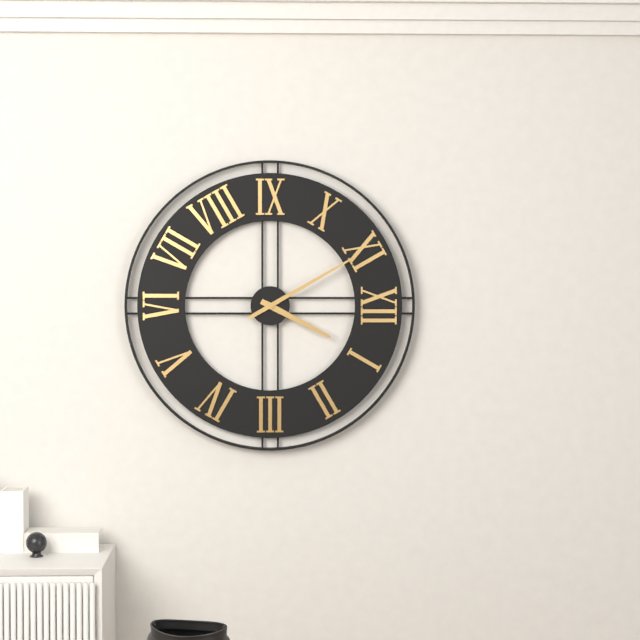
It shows 12h55
